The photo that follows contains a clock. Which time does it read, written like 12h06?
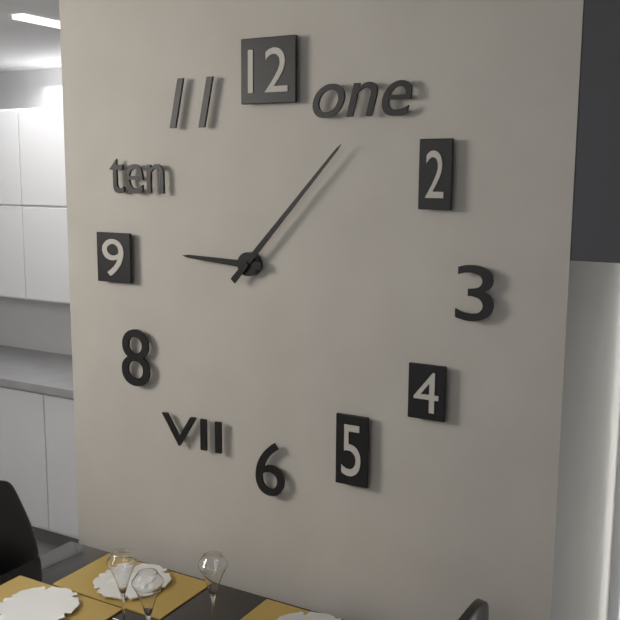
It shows 9h07
